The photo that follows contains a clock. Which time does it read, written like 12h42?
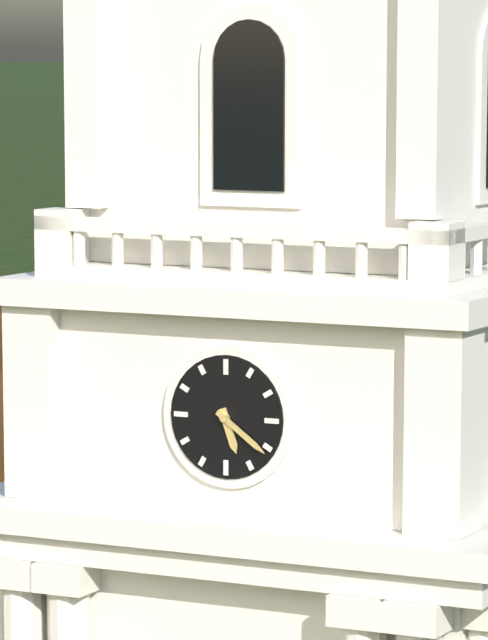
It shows 5h21
